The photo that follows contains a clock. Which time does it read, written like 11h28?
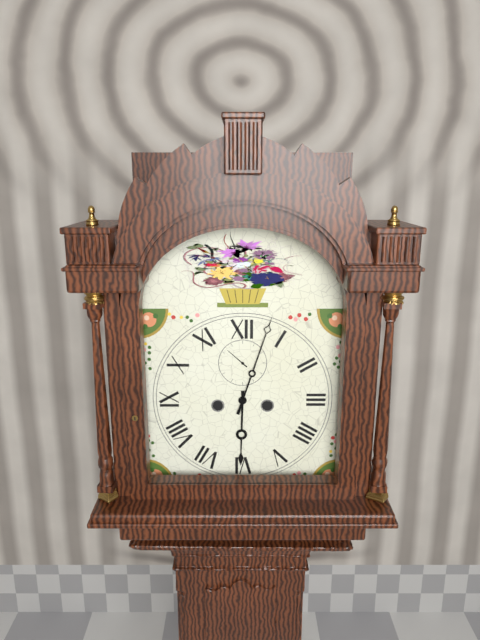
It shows 6h03
